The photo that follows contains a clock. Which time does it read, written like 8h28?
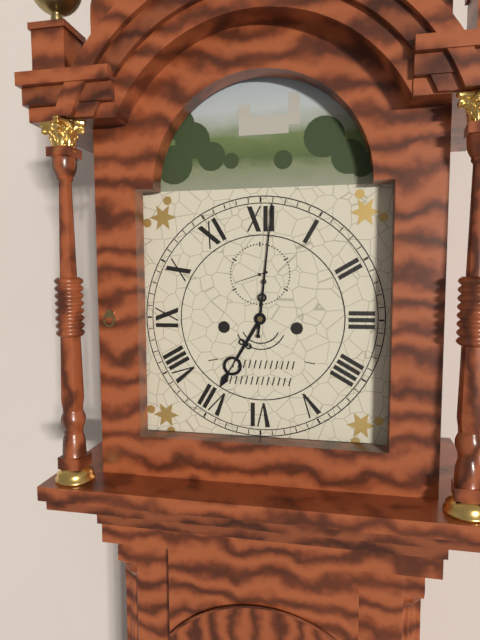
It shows 7h01
